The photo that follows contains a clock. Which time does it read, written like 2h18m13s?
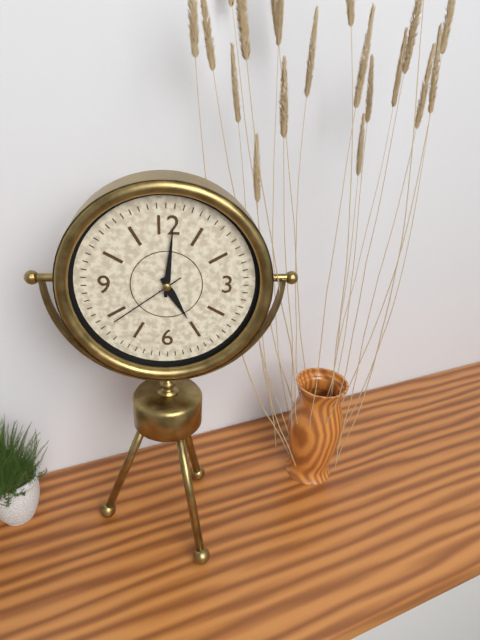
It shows 5h01m39s
